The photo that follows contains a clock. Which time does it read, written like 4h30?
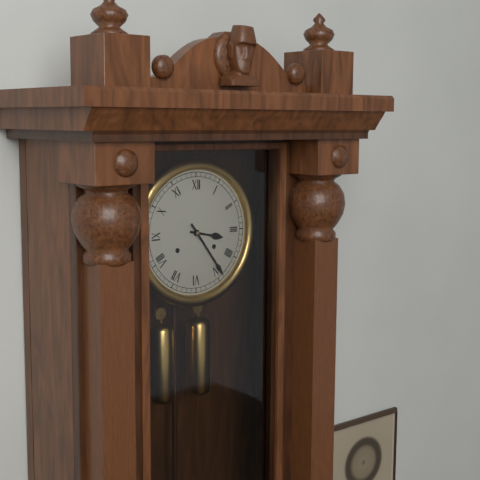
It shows 3h24
